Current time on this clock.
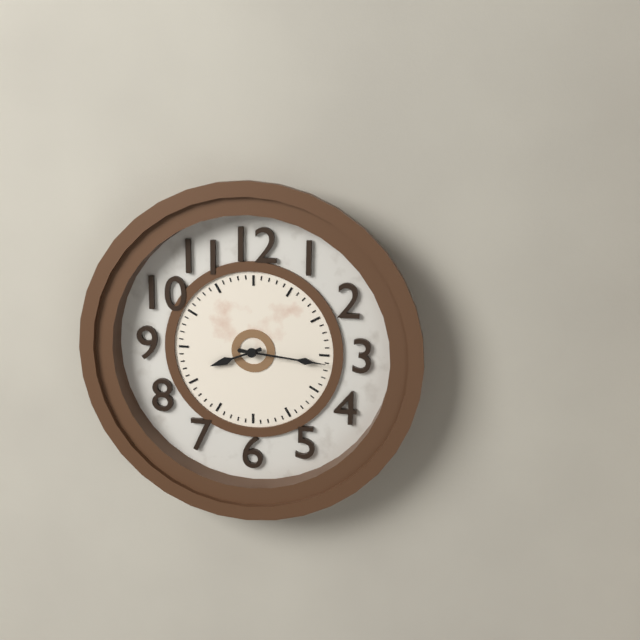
8:16
